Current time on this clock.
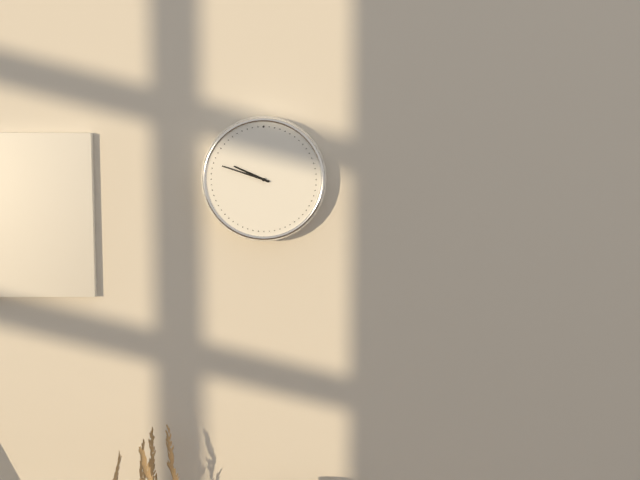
9:48
